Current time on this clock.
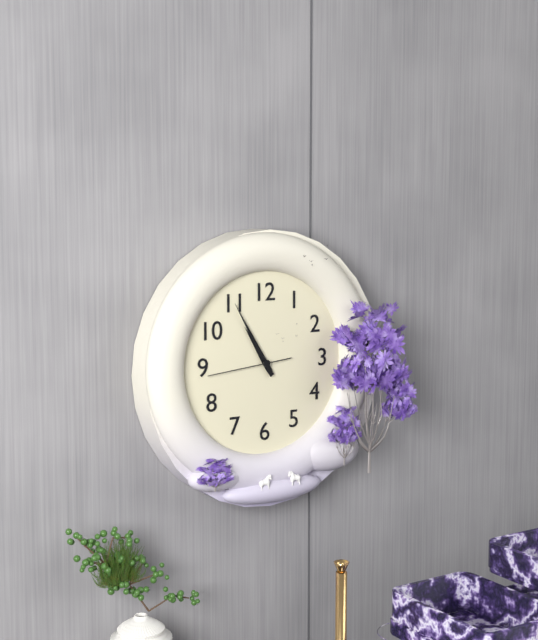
10:55:44
